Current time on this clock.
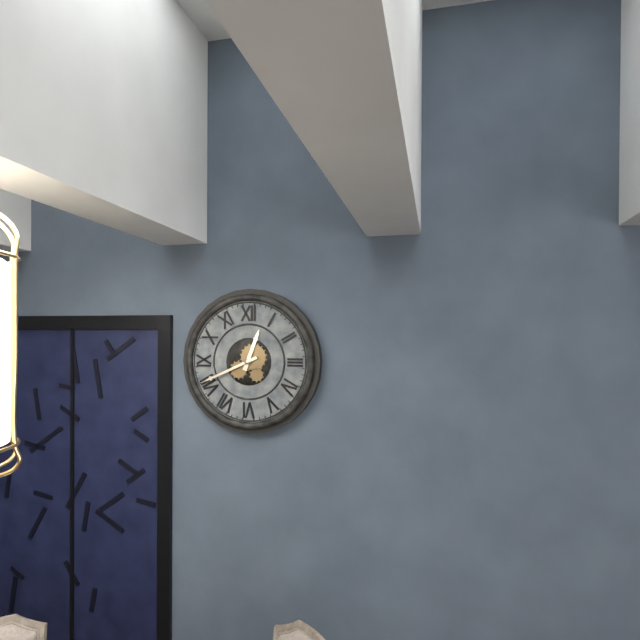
12:41
